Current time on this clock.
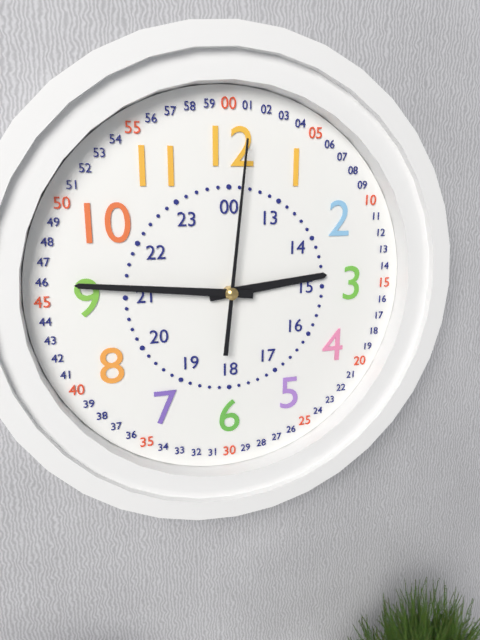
2:46:01
